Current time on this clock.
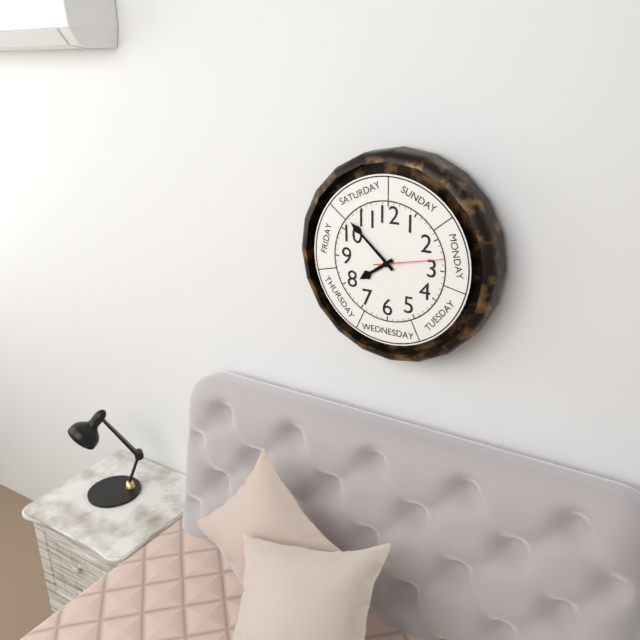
7:52:13
